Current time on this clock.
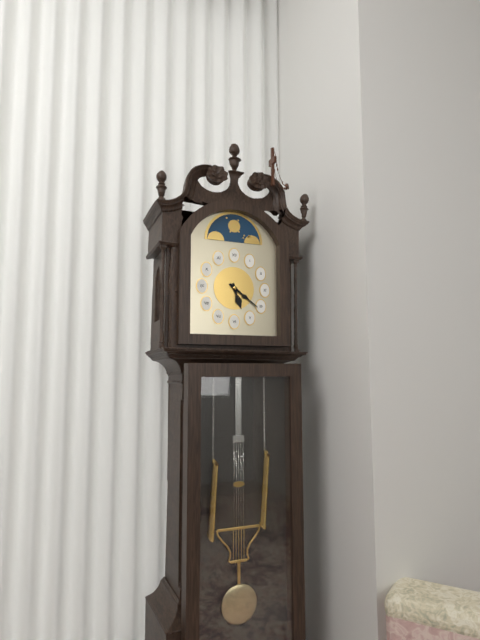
5:21
